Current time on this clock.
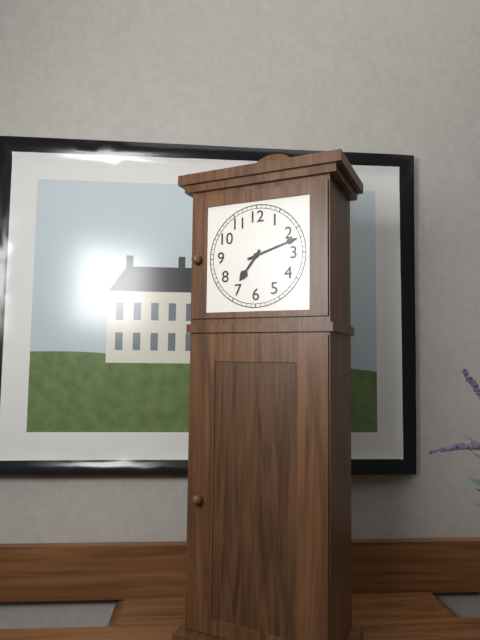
7:12
